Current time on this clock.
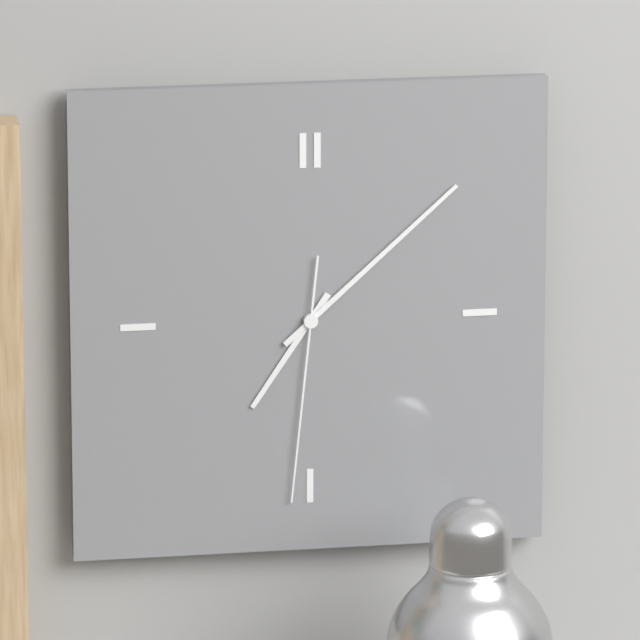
7:08:31
